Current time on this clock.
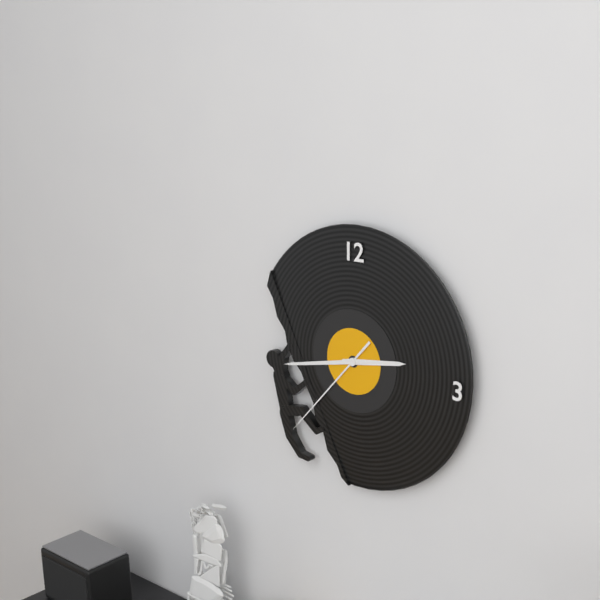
2:43:37
